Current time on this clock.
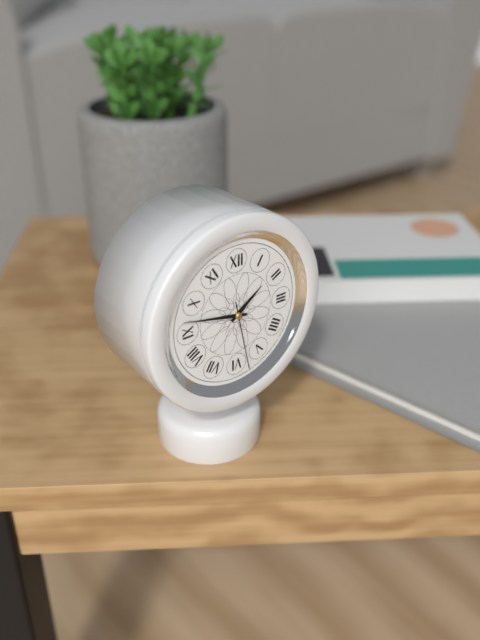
1:47:28
